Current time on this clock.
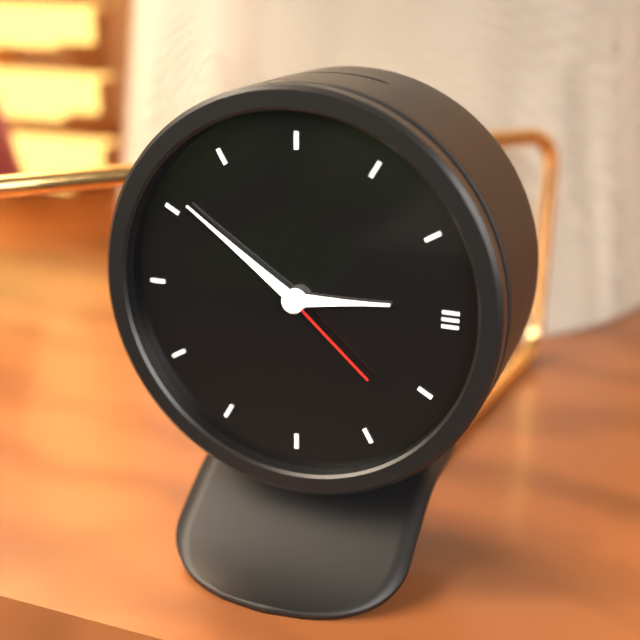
2:51:22
